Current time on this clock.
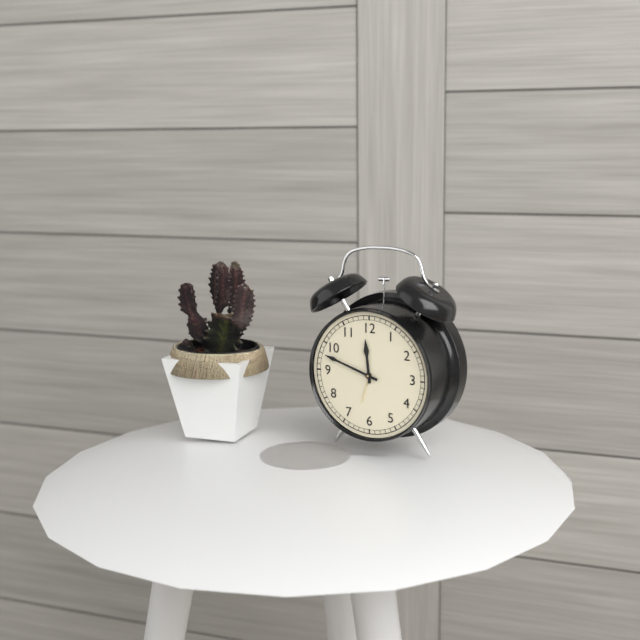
11:48
